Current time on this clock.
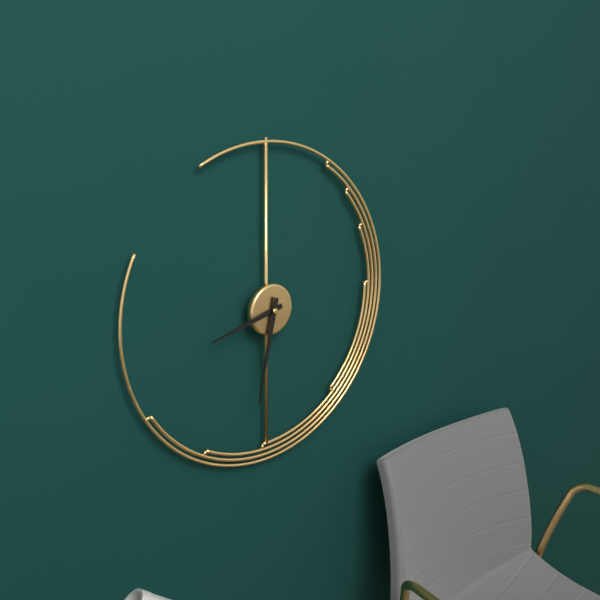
8:32
